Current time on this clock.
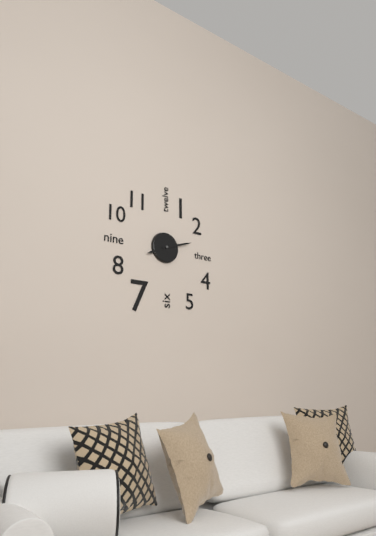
8:12
